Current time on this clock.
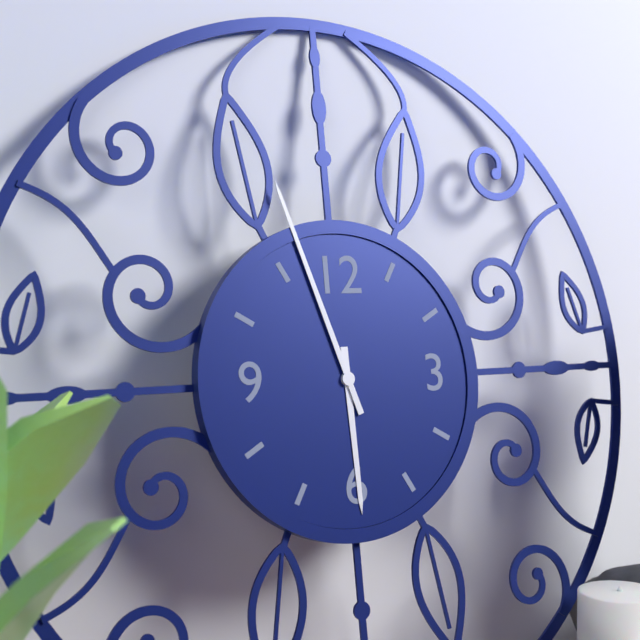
5:57
